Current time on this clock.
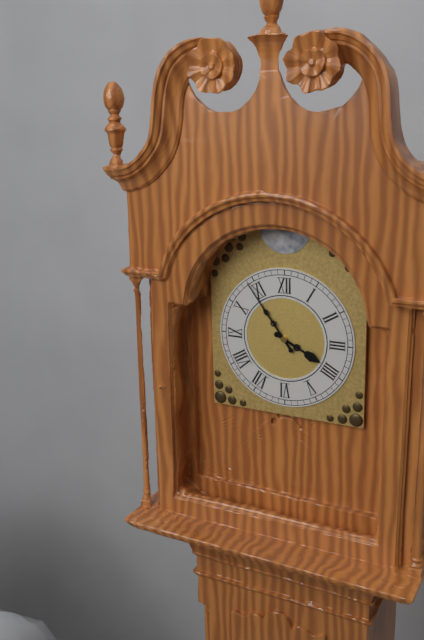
3:54
